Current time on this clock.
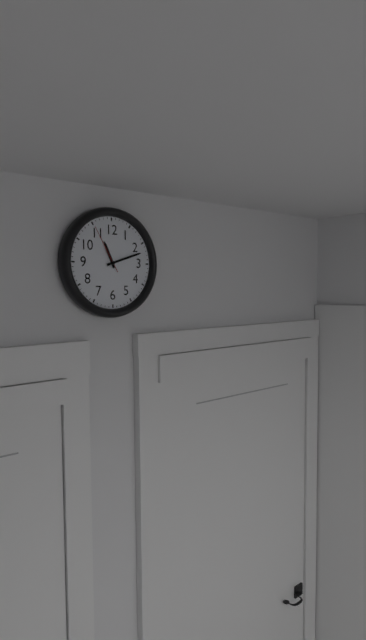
11:12:55
